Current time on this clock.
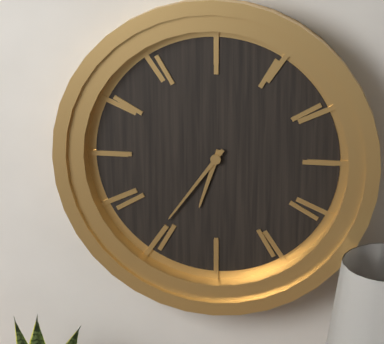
6:36
